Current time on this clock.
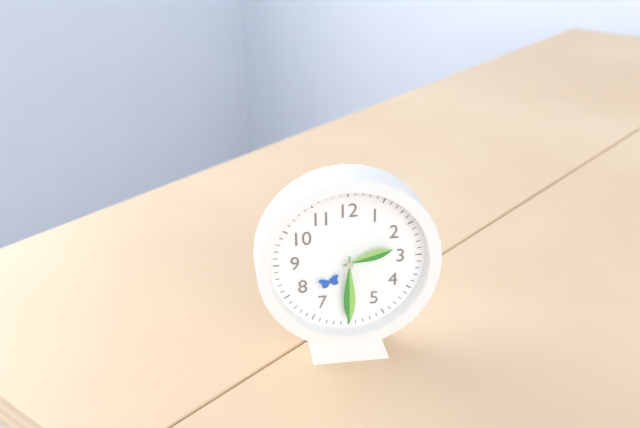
2:30
